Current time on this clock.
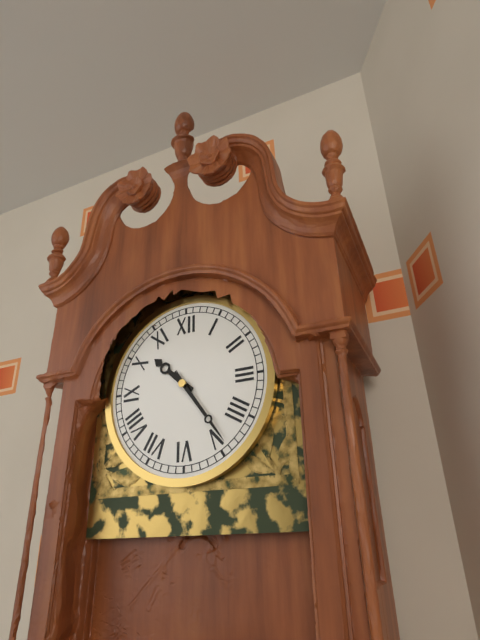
10:24
